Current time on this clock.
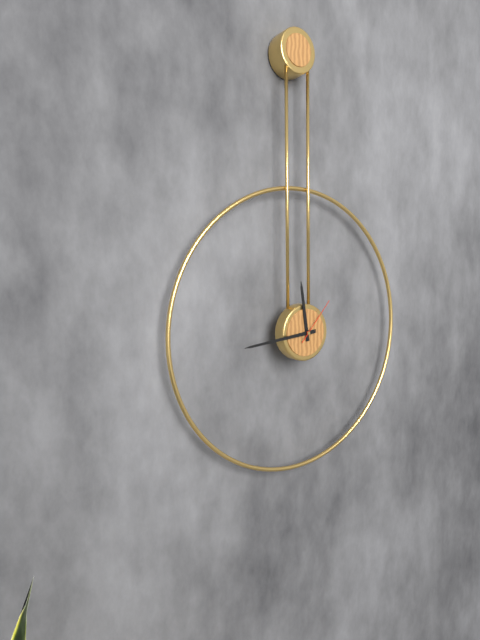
11:44
